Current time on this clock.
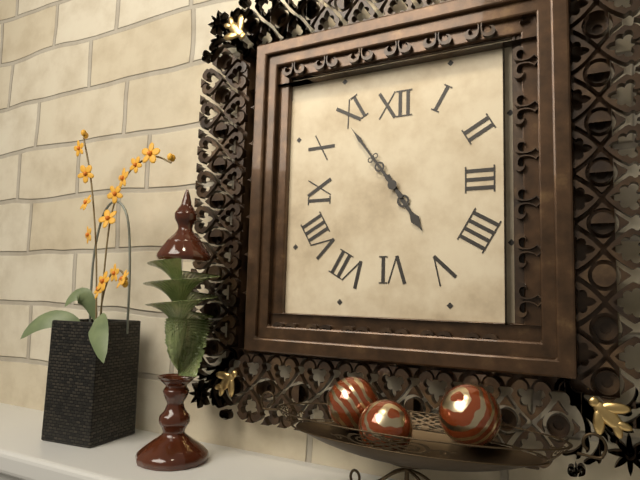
4:54
